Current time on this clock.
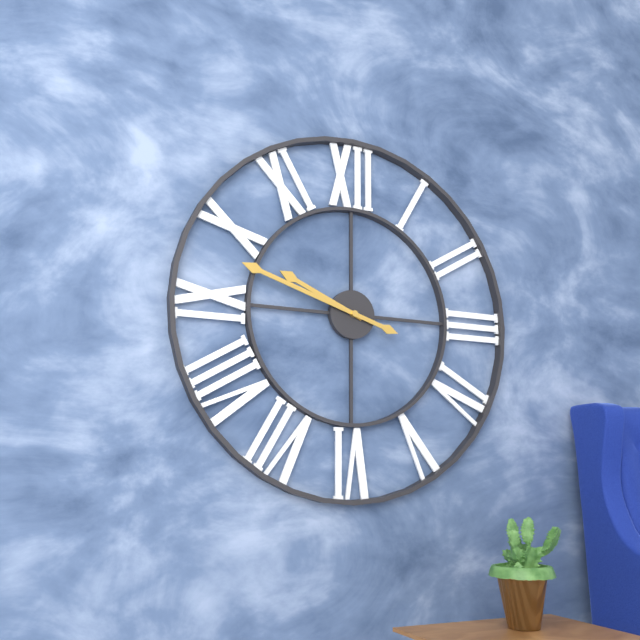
9:48
